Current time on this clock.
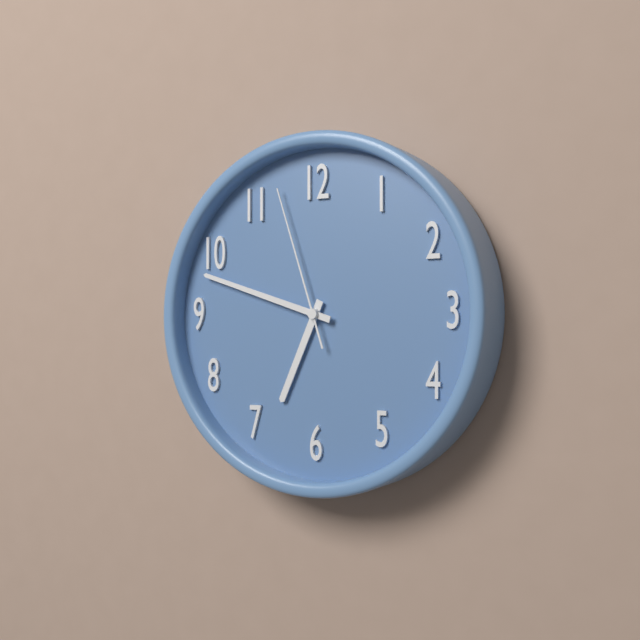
6:48:57
